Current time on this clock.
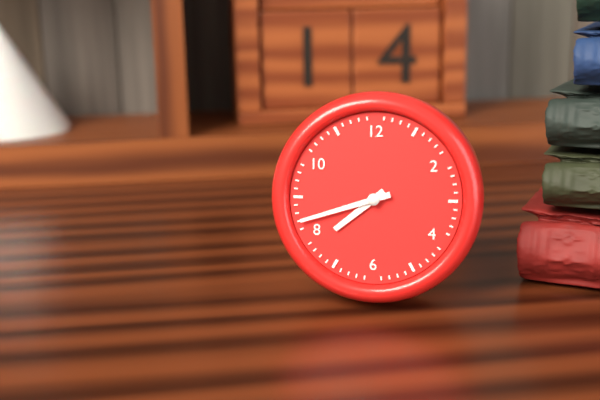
7:42
